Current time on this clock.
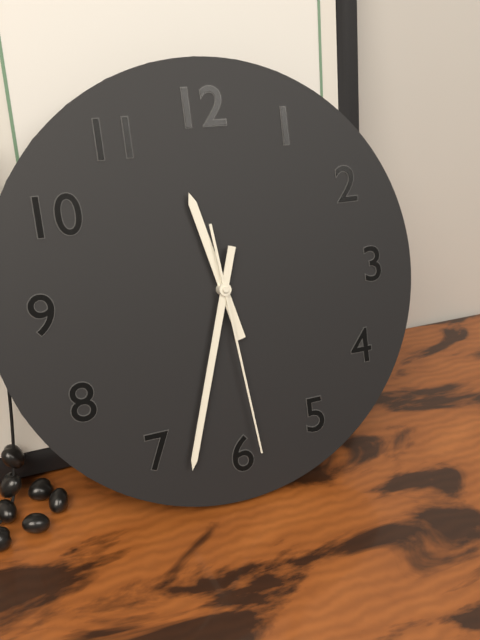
11:33:29
